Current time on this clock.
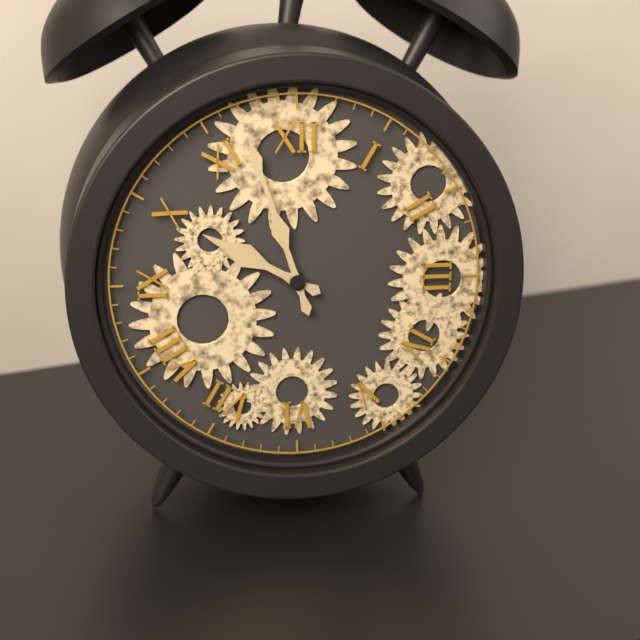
9:57
